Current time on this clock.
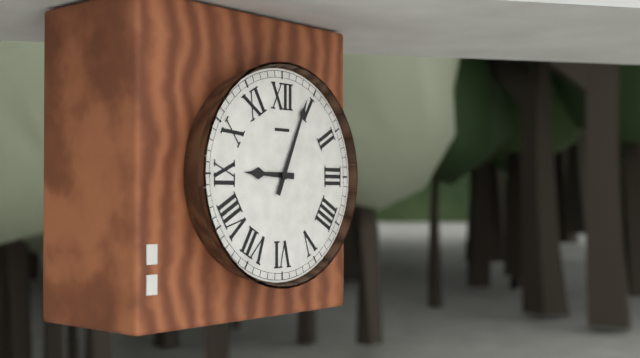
9:04
